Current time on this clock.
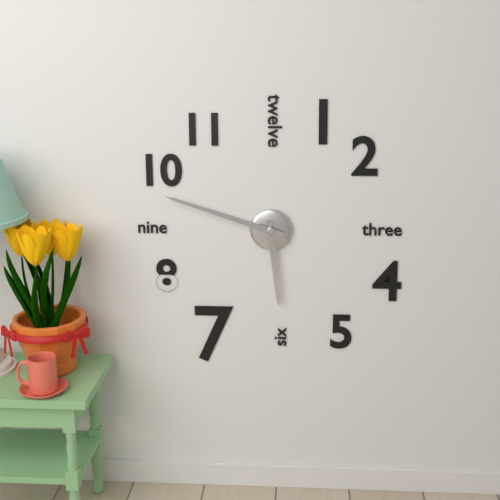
5:48
